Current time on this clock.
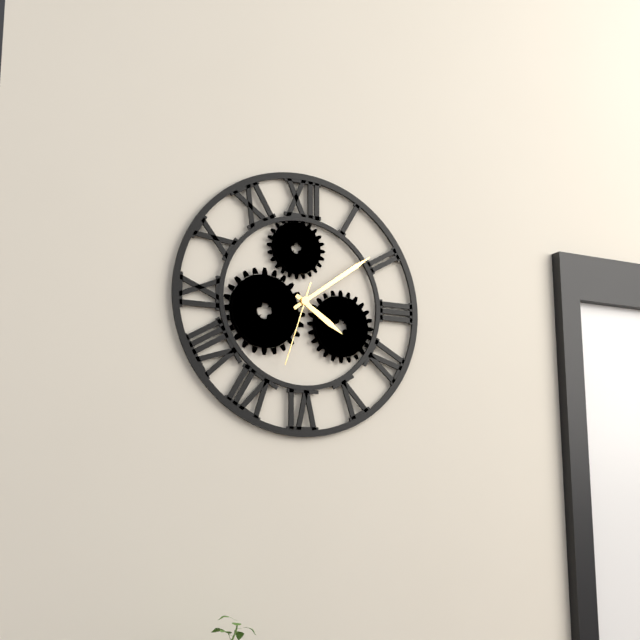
4:09:33
